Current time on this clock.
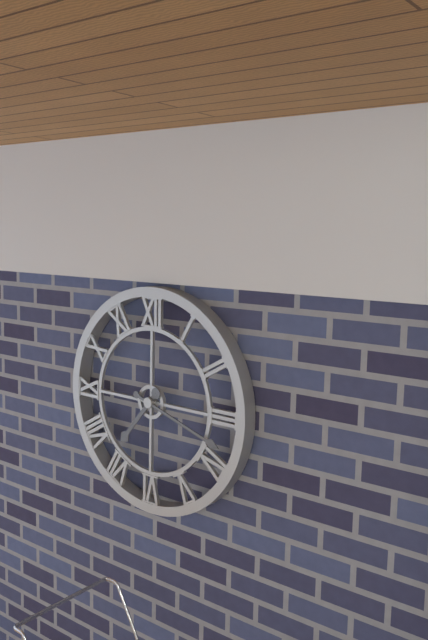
7:18
